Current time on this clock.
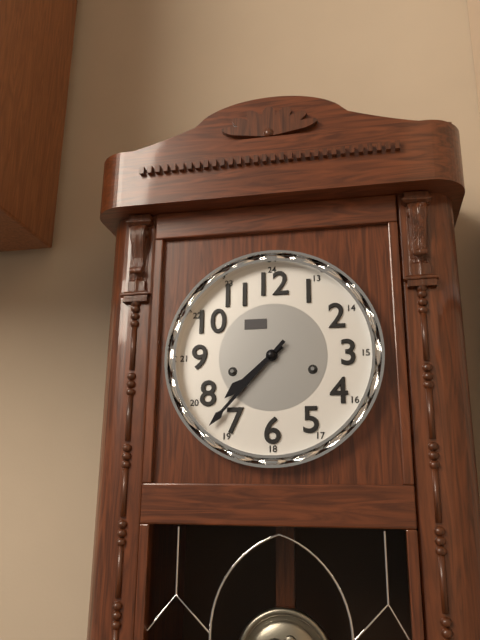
7:37
